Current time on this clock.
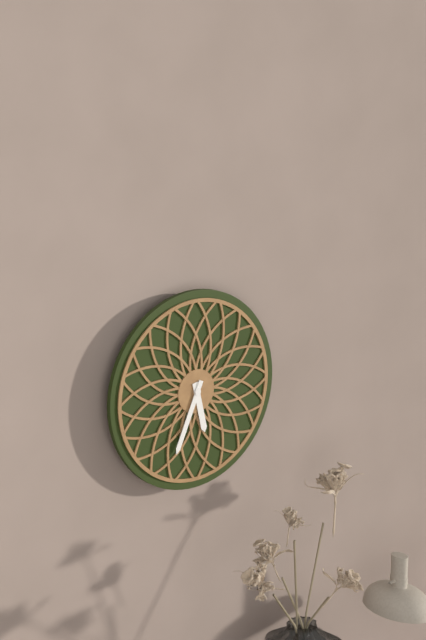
5:34
